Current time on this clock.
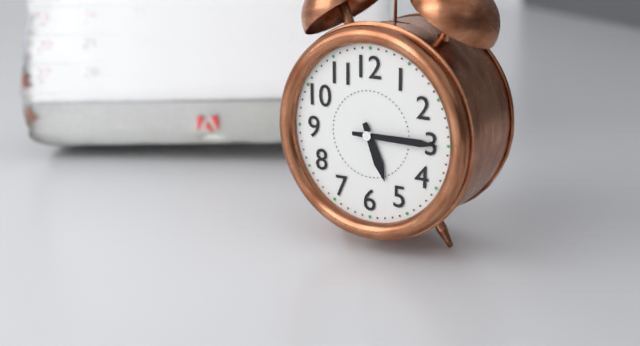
5:15
